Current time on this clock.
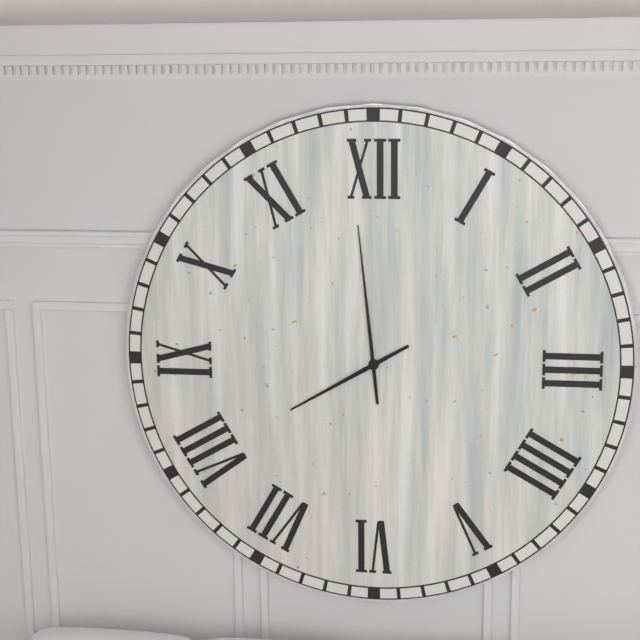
7:59
